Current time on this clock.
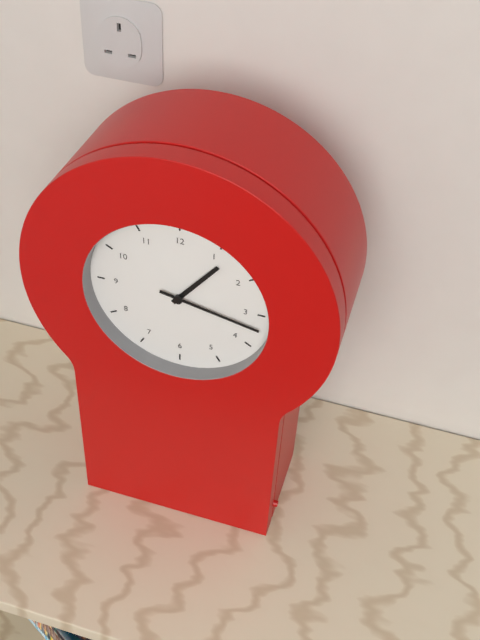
1:17
